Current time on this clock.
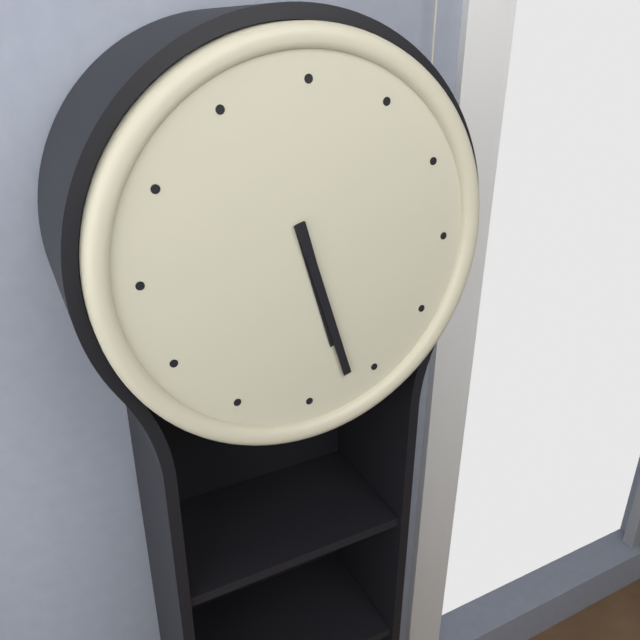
5:27
